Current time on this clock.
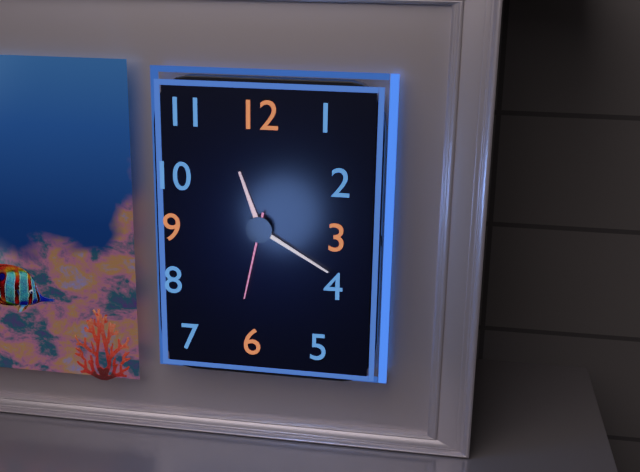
11:20:32
